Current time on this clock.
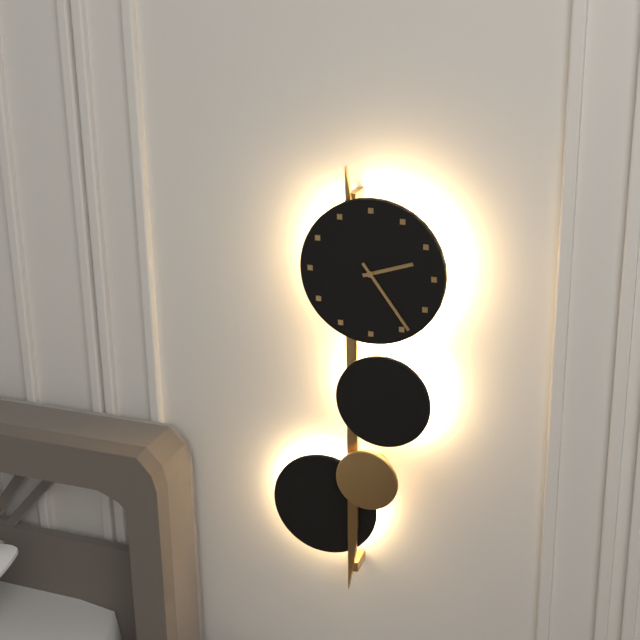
2:24
